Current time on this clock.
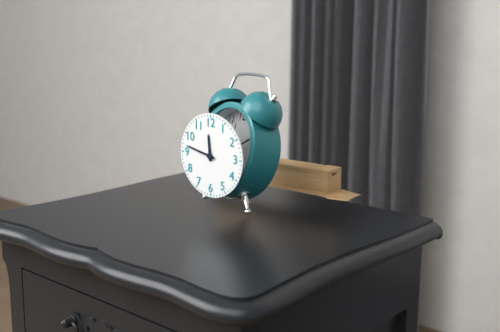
11:47
